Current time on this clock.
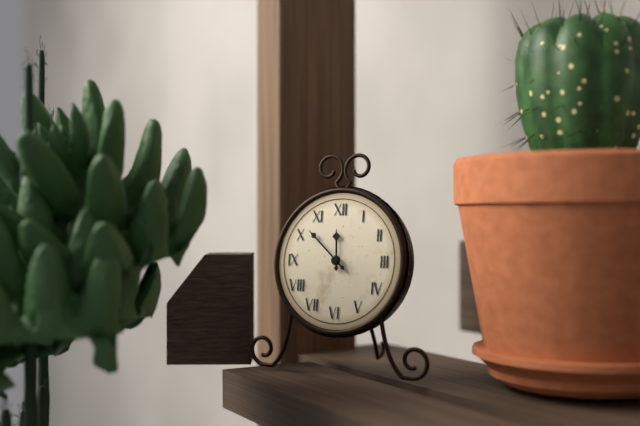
11:52
